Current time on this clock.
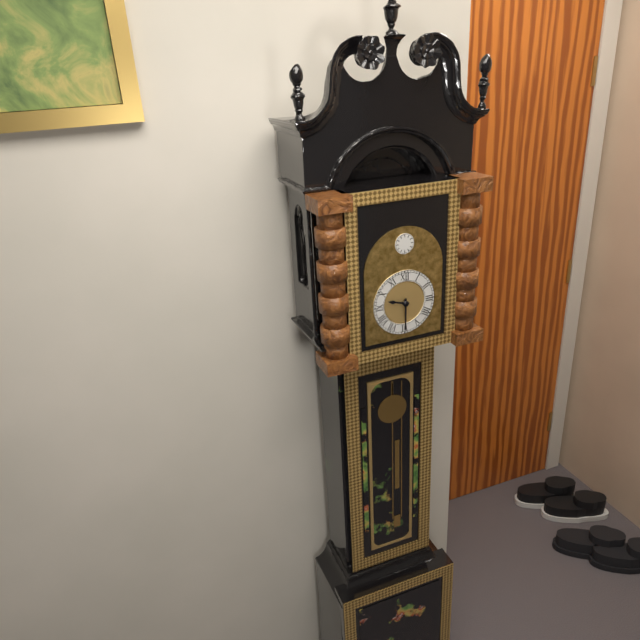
9:30
